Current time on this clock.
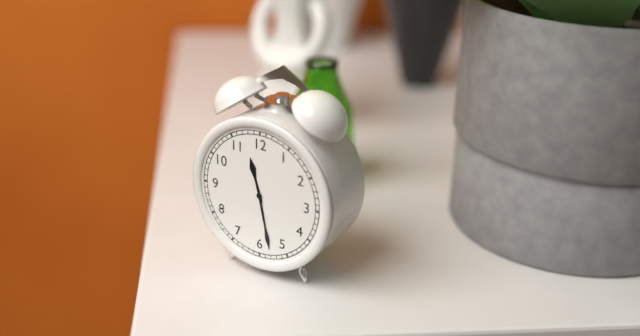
11:28
